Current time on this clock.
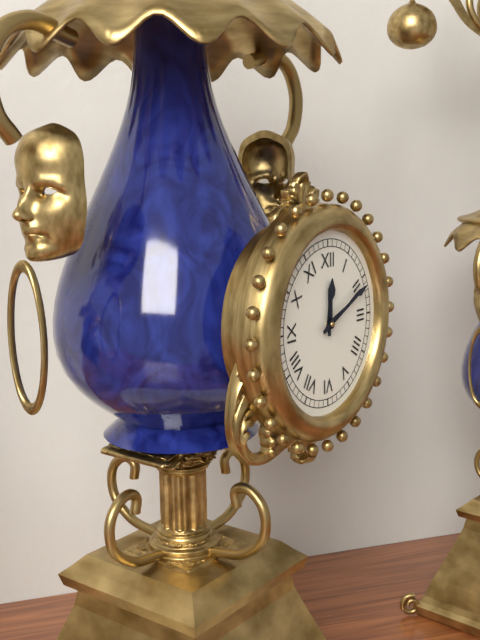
12:11
